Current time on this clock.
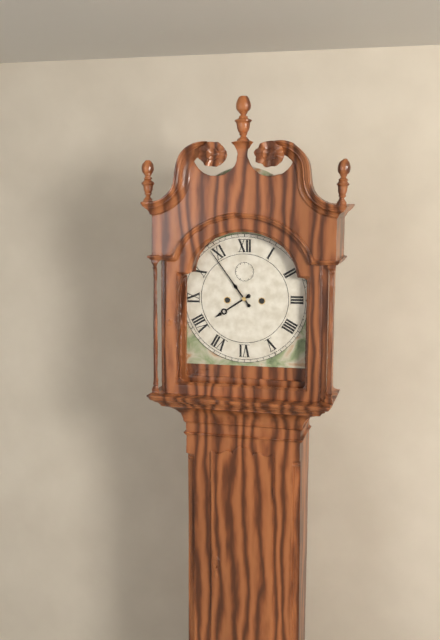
7:54
